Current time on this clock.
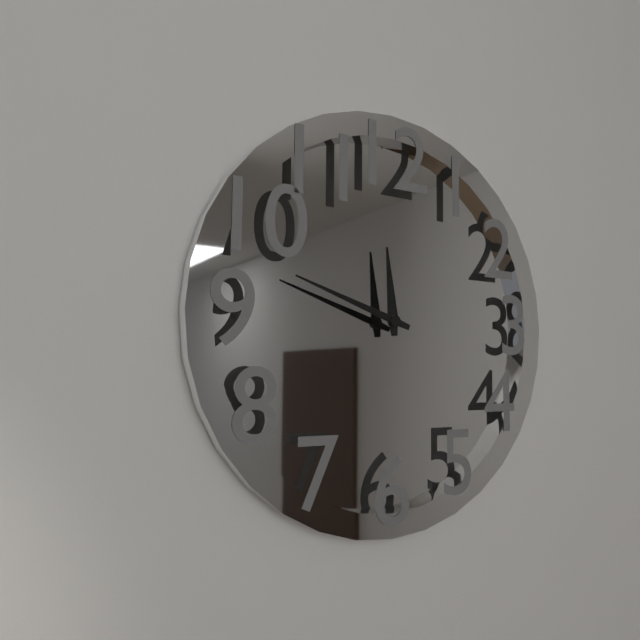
11:48
